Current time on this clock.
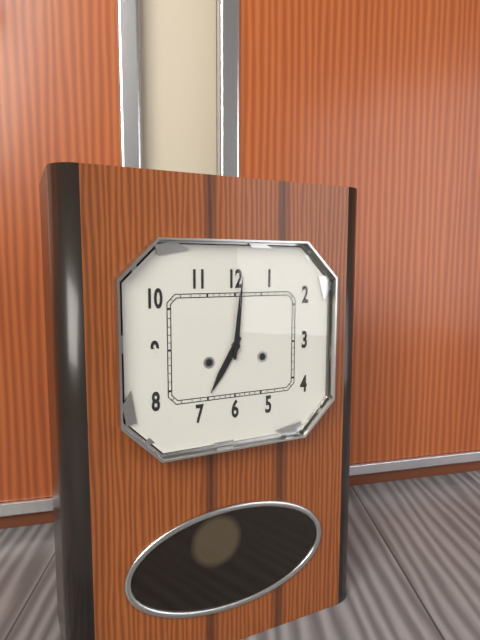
7:01
